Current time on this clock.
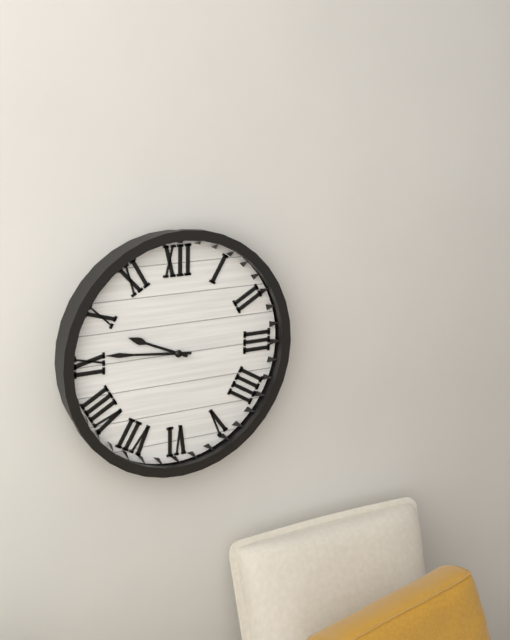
9:46
